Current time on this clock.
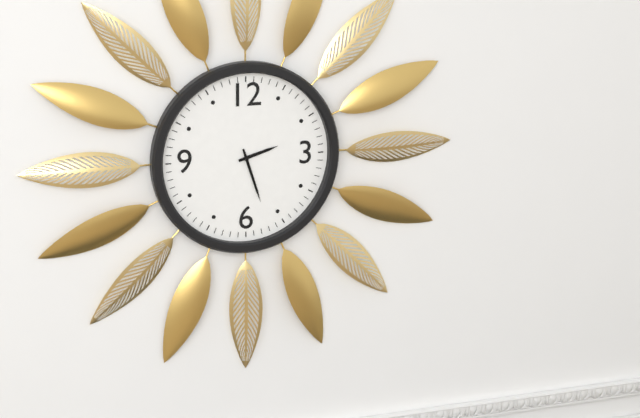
2:27
